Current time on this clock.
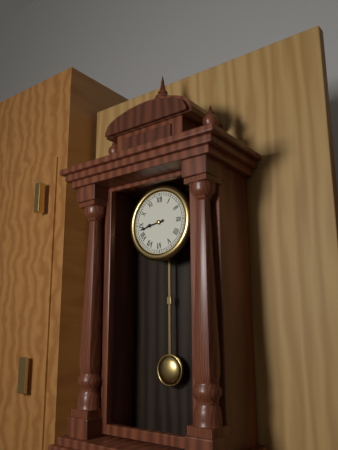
8:43
